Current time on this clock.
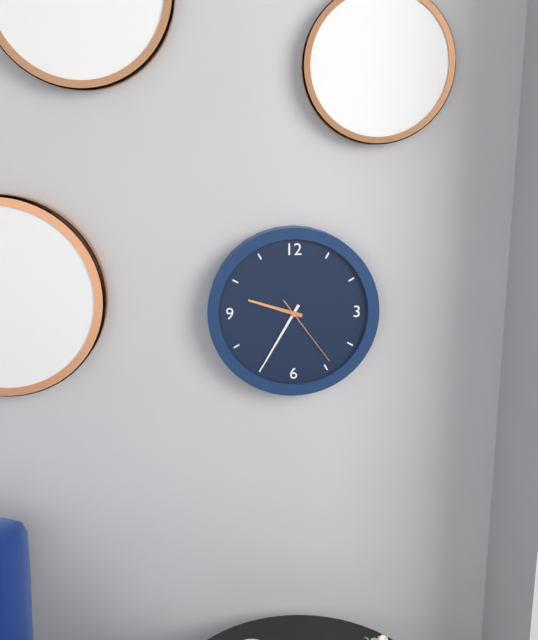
9:35:24
